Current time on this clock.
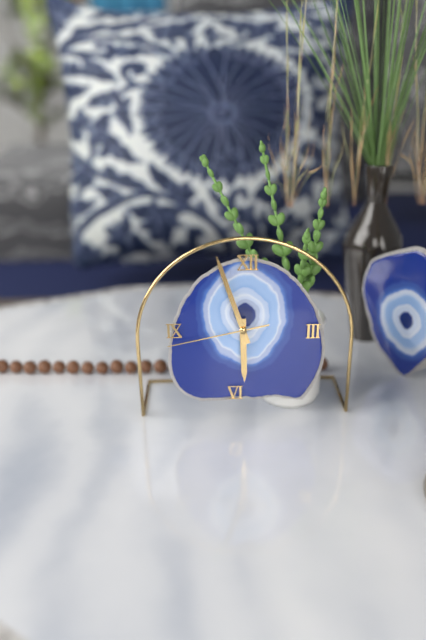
5:57:43
